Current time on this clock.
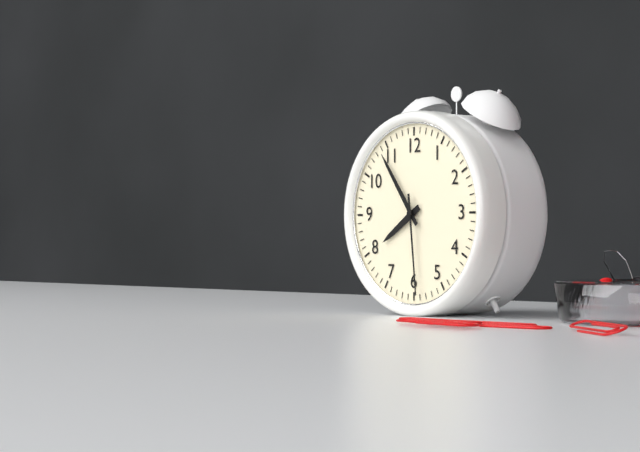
7:54:29
